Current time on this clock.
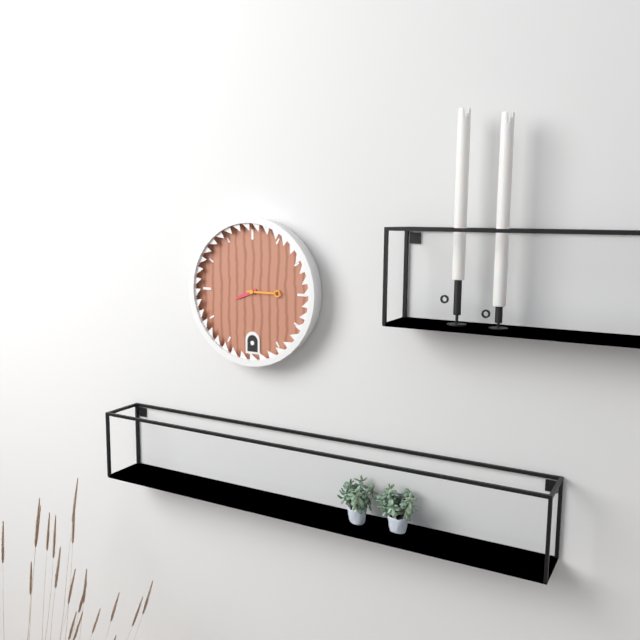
8:15
